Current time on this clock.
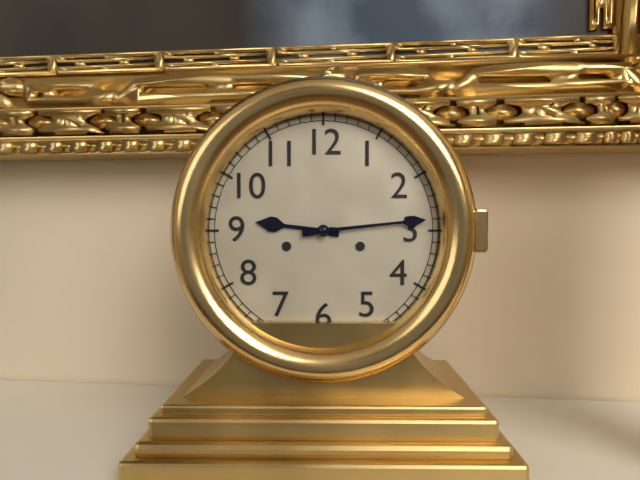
9:14
